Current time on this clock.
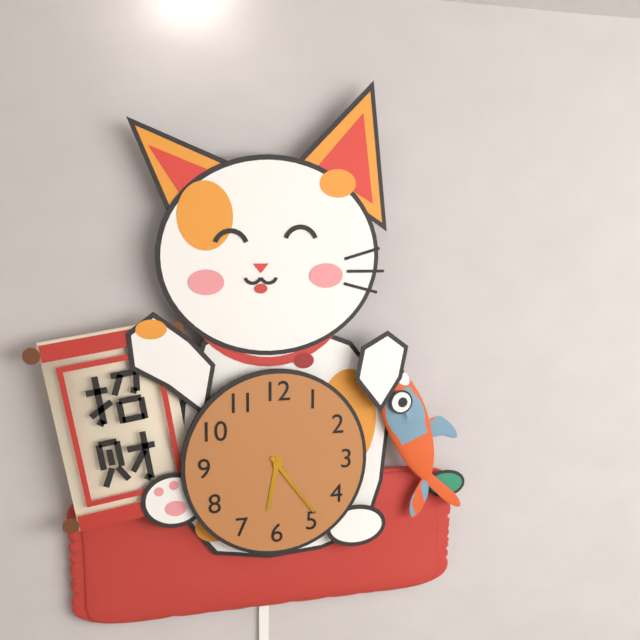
6:24
